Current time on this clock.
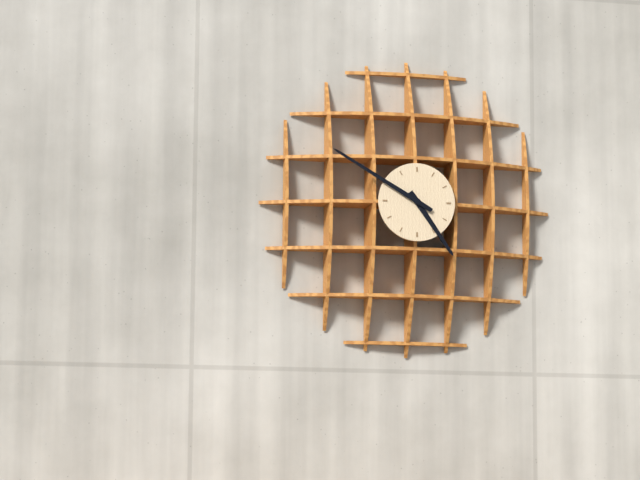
4:50
